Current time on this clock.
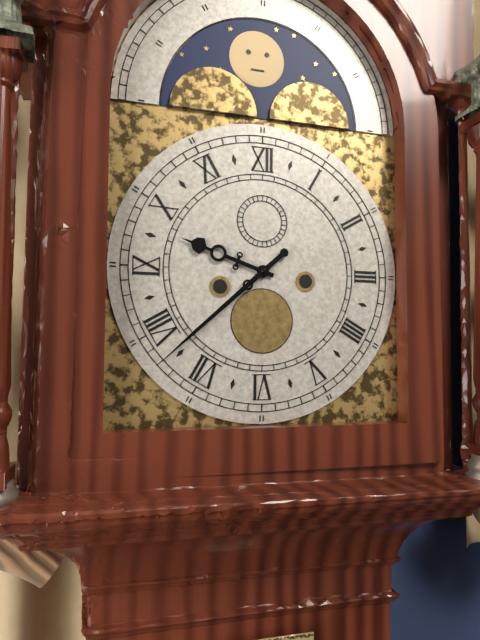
9:38
